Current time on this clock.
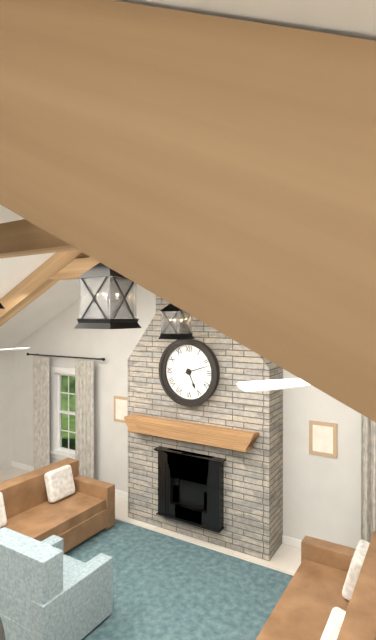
5:12
